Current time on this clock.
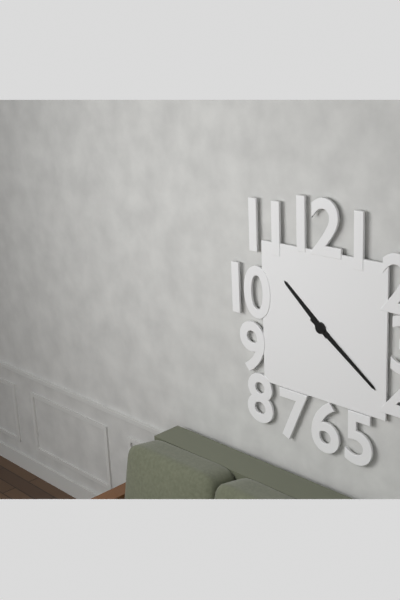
10:21
